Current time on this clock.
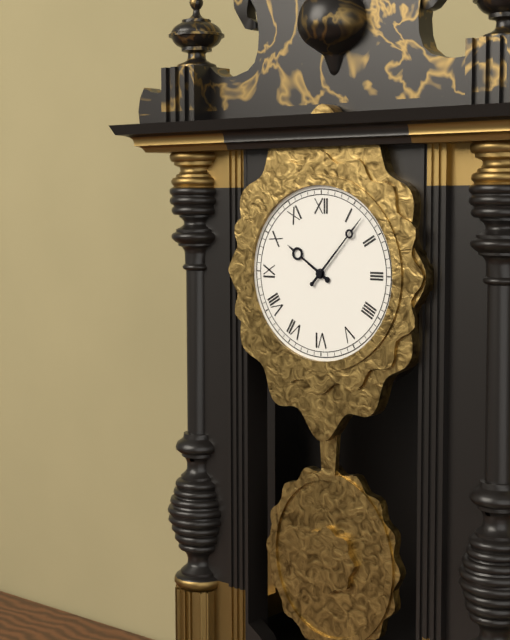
10:07
